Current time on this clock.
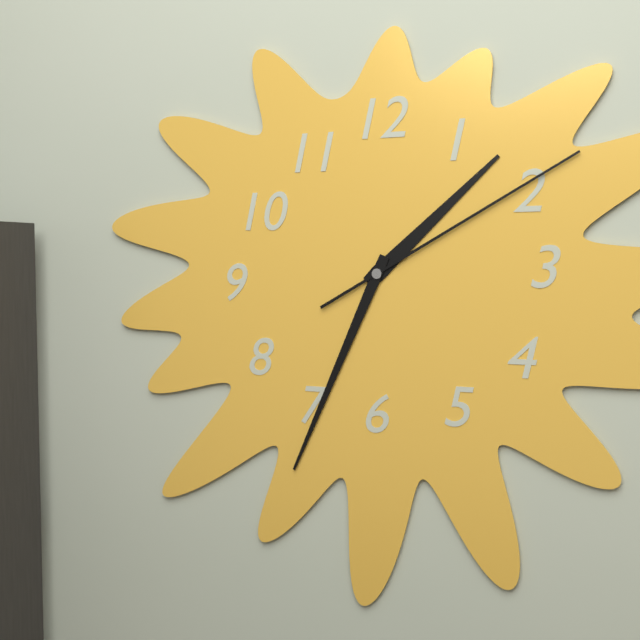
1:34:10
